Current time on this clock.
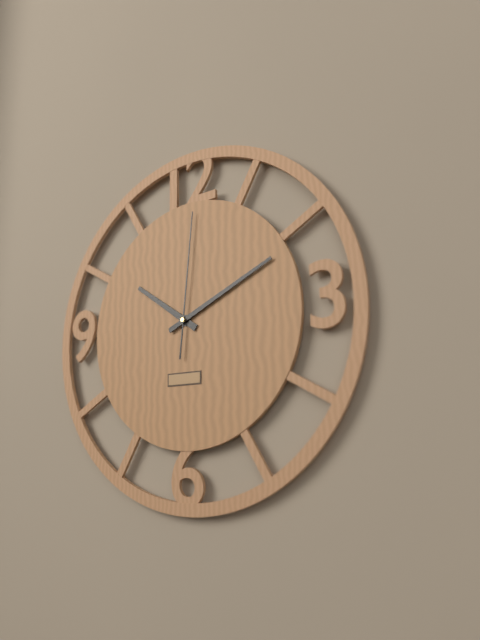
10:11:01
